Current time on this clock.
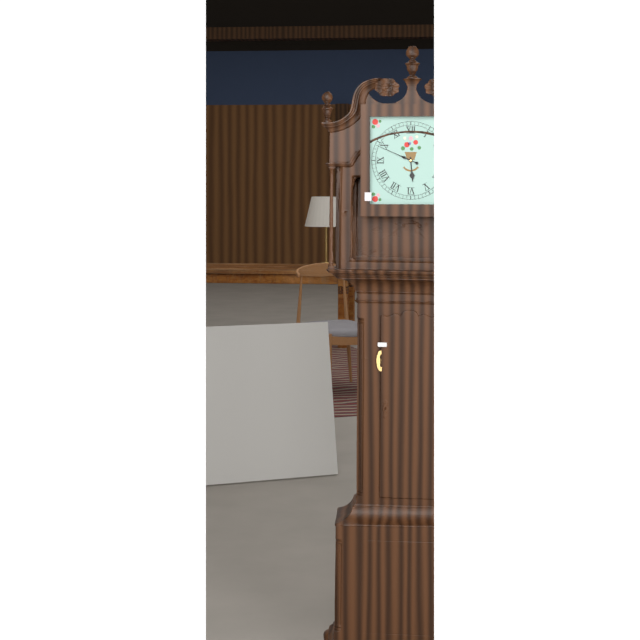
5:49
